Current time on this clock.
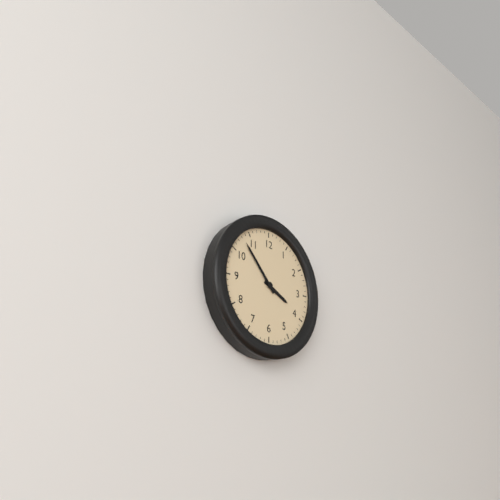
3:53
